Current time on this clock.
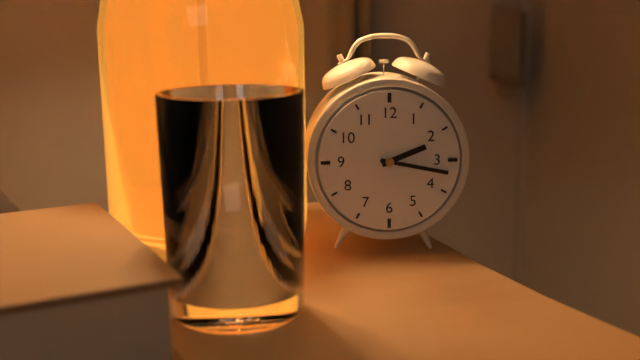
2:17
